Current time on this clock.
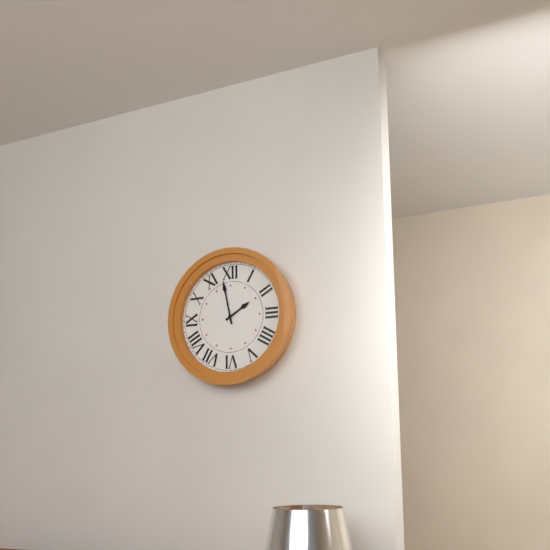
1:58
